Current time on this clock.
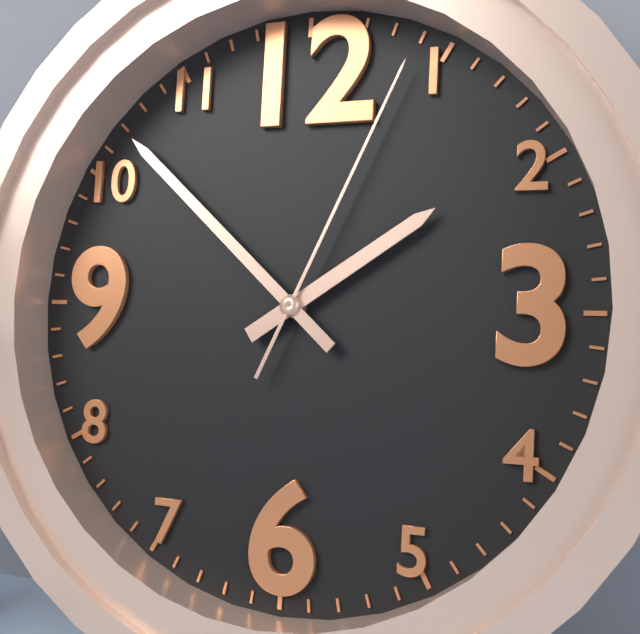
1:52:04
